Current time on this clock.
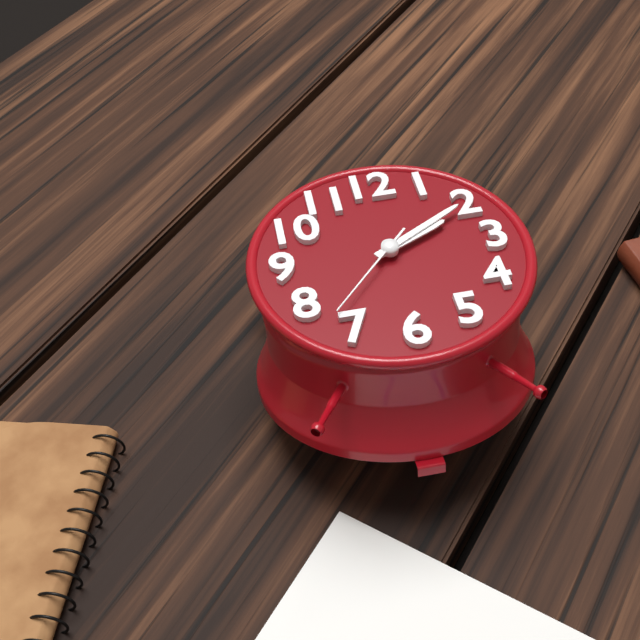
2:10:37
